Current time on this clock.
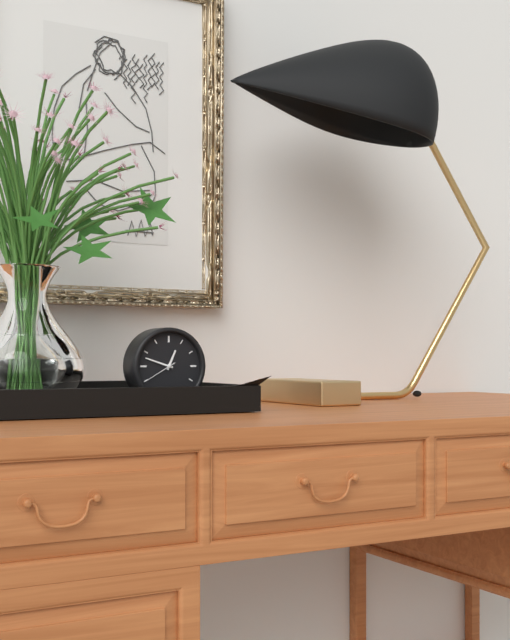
12:48
